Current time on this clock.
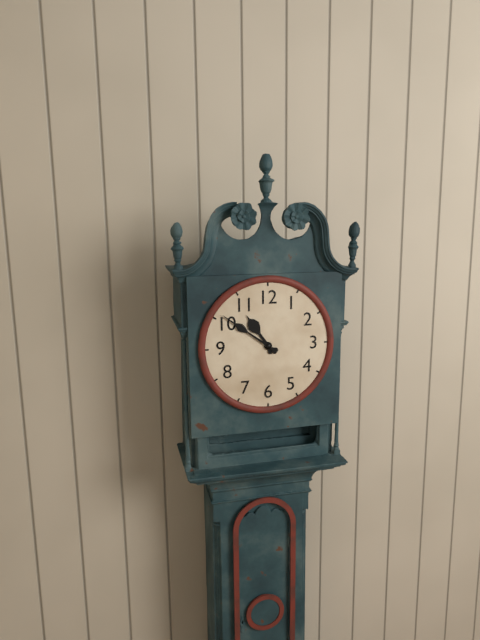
10:51
